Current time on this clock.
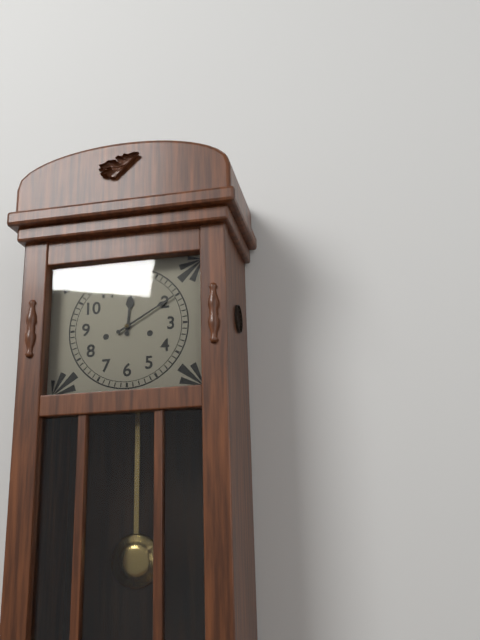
12:10
